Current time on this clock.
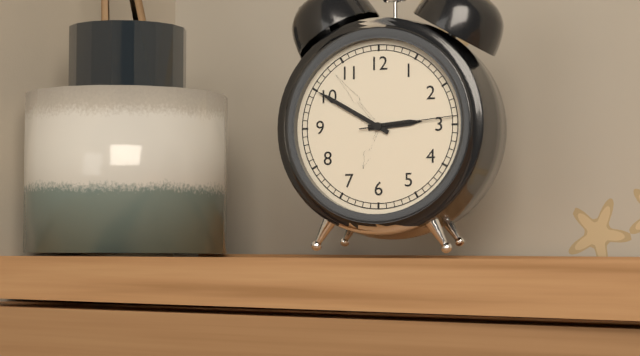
2:50:14
